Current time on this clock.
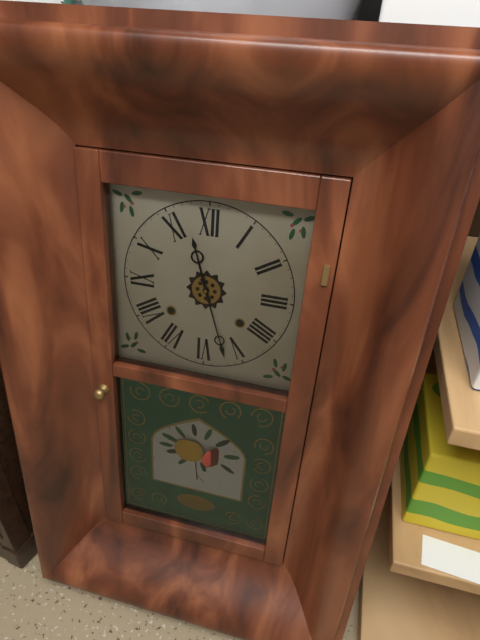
11:27
